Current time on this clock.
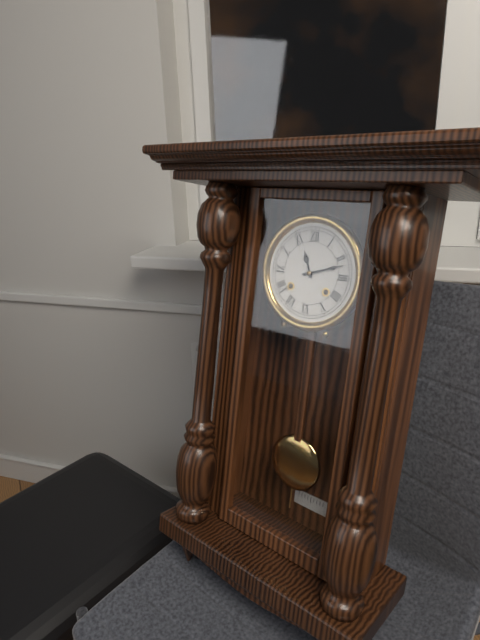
11:12
